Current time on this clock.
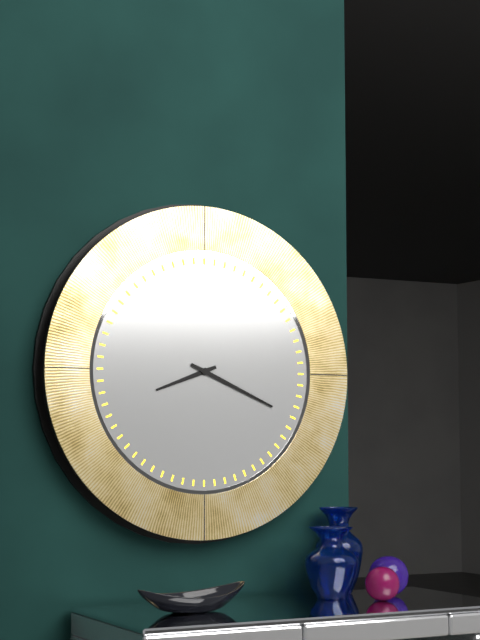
8:19
